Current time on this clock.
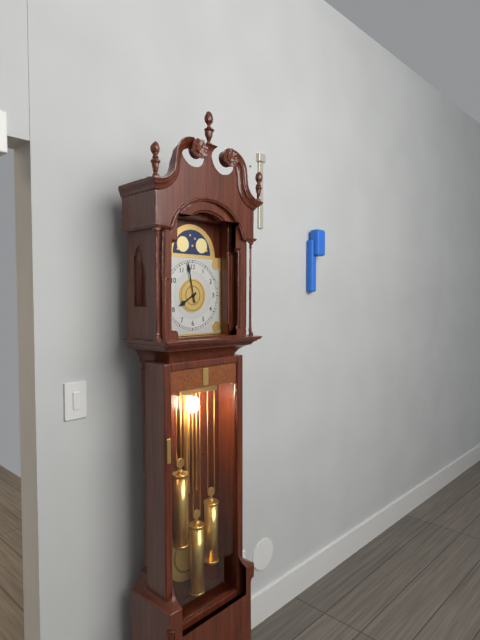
7:58
